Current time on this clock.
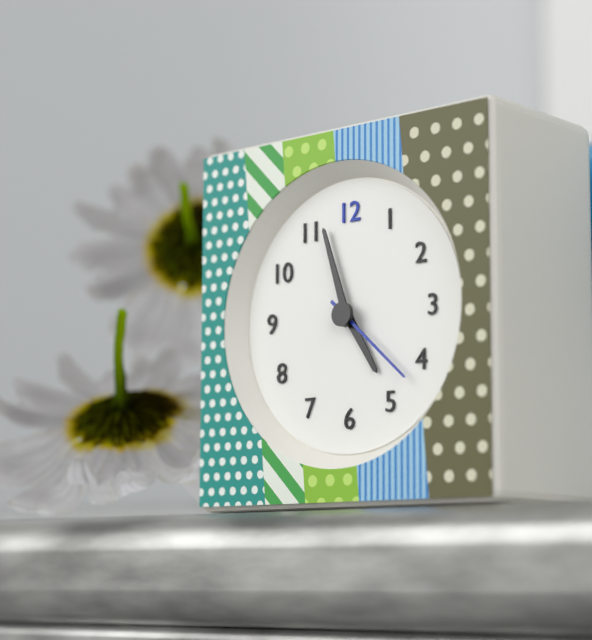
4:57:22
